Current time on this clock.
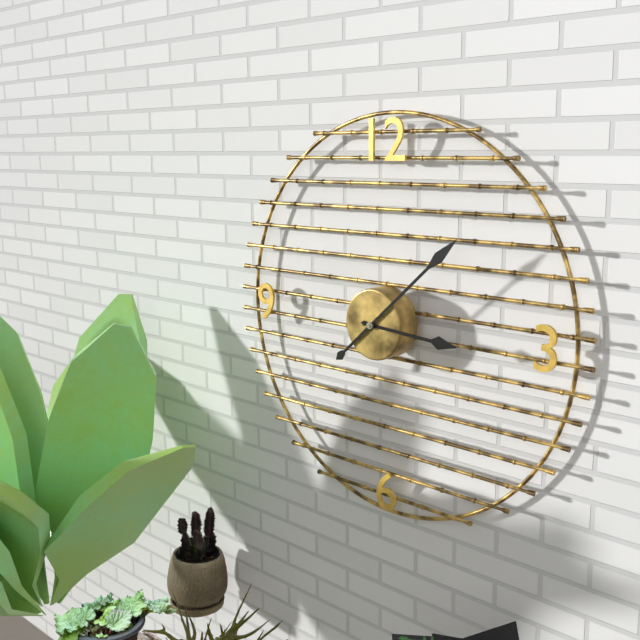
3:08
